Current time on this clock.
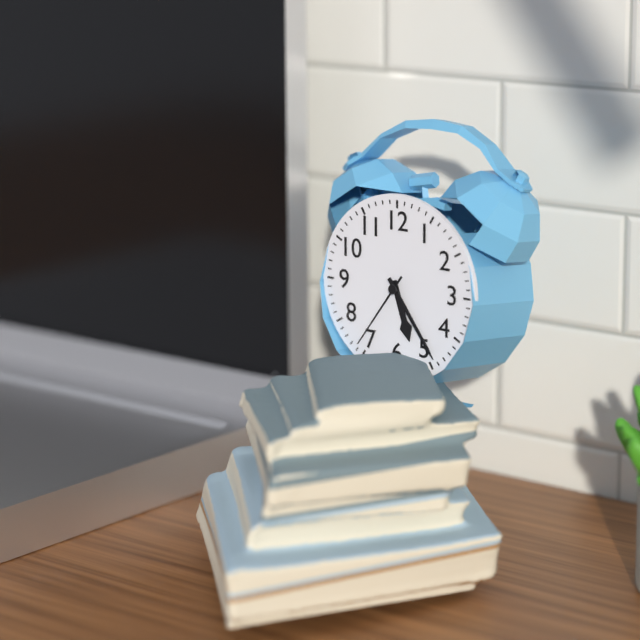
5:24:36
